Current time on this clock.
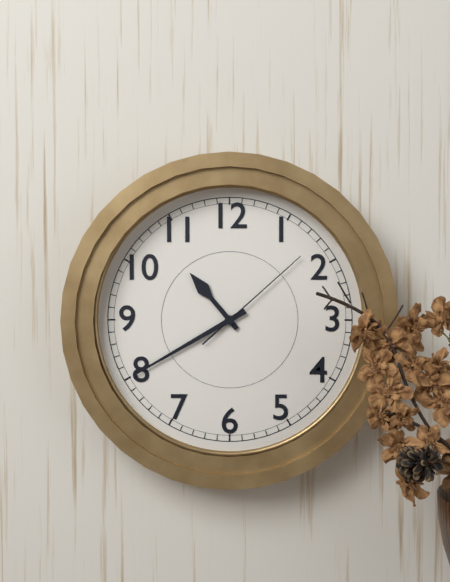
10:40:08
